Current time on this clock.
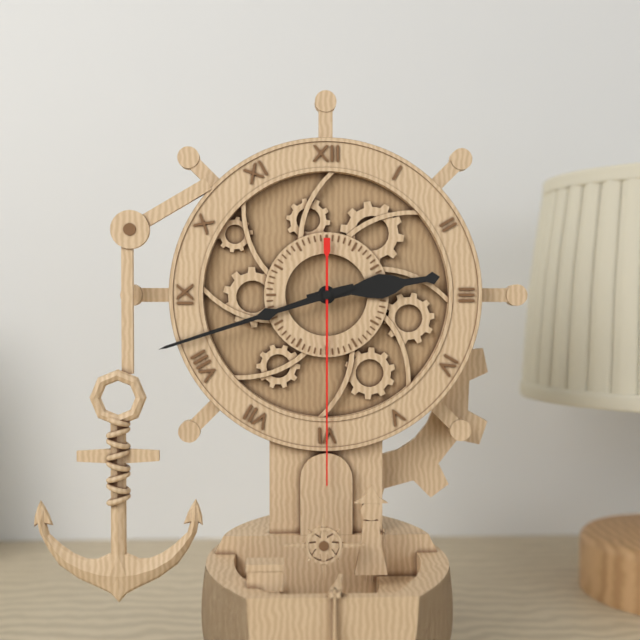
2:42:30
